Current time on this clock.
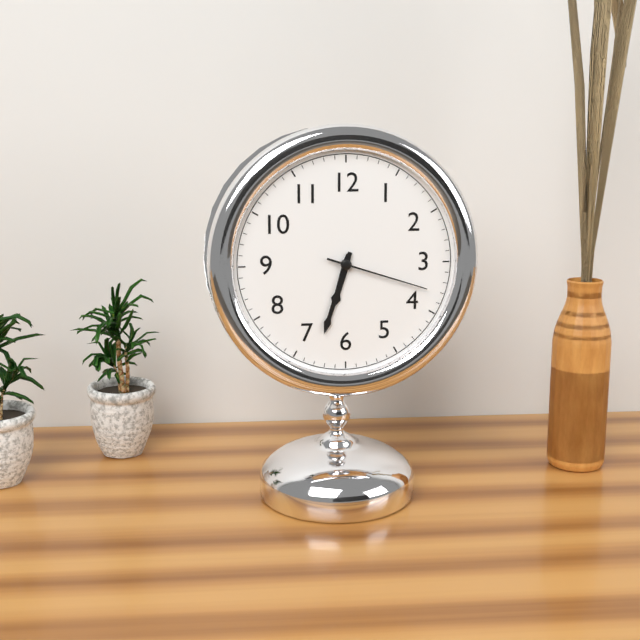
6:33:18
